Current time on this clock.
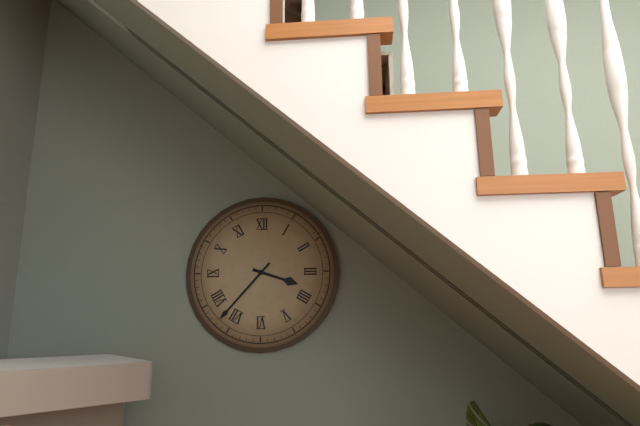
3:37
